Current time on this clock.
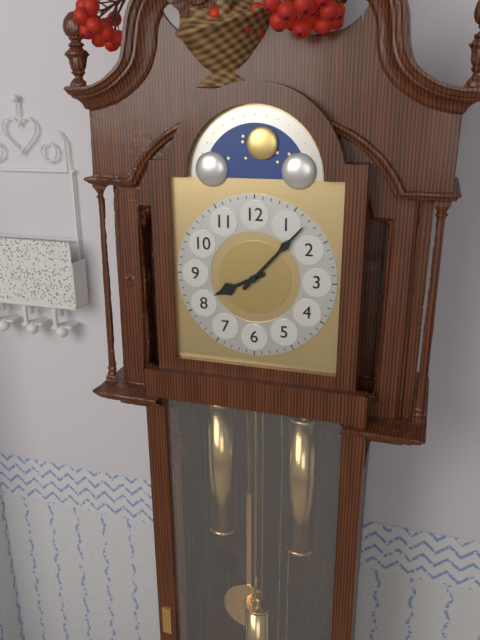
8:07
